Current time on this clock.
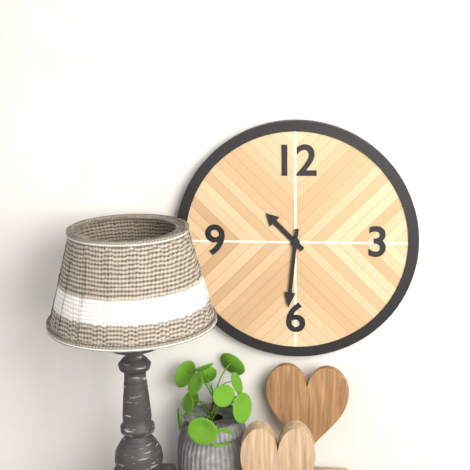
10:31
